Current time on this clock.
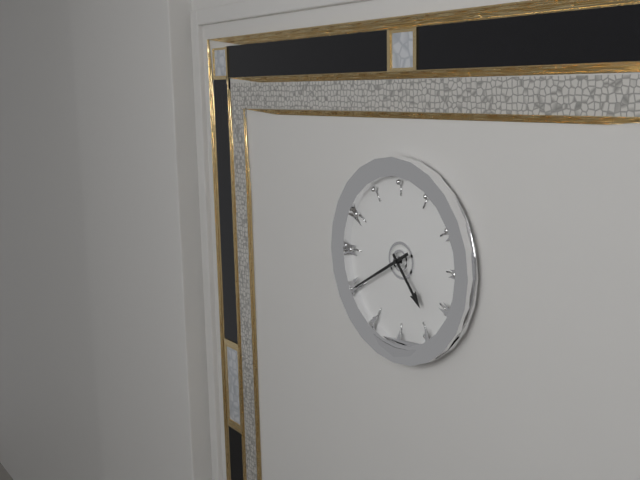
4:40
